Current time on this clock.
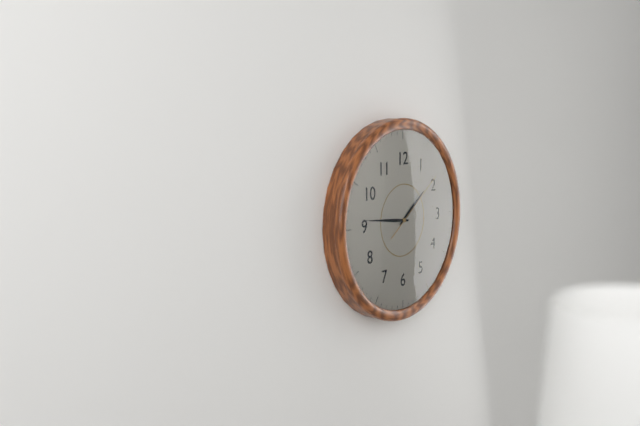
1:46:09
